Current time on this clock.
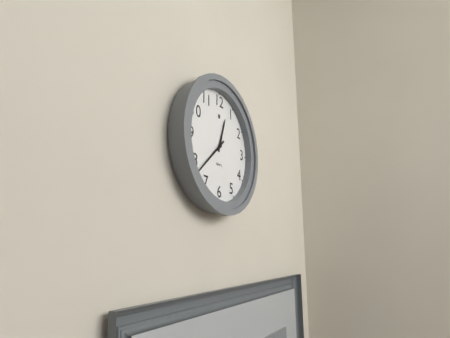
12:38
